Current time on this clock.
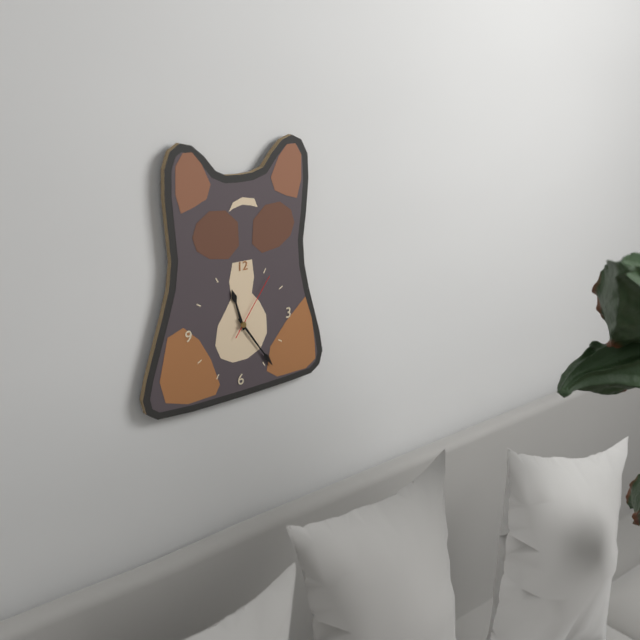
11:24:06
